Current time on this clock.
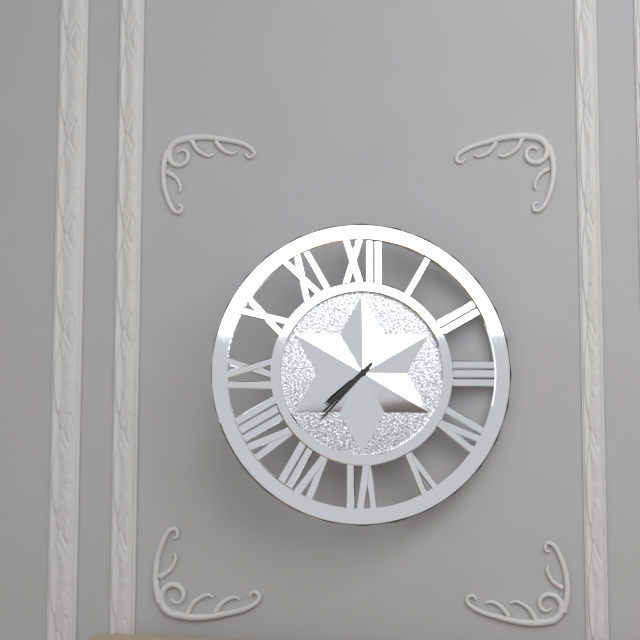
7:37
